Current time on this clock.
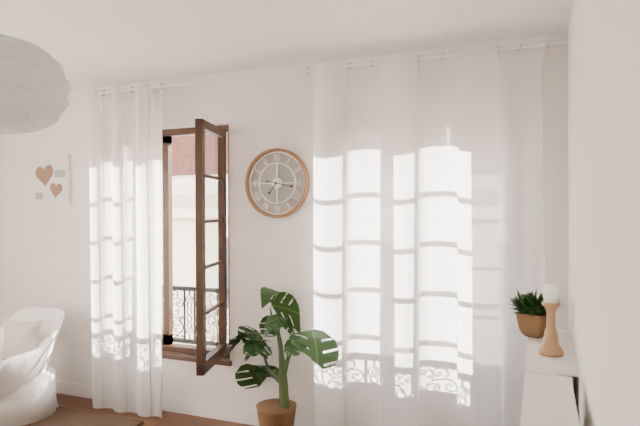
7:17
